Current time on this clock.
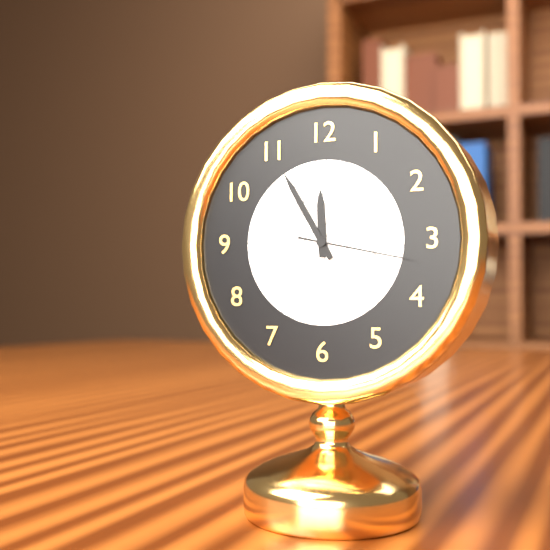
11:55:17
